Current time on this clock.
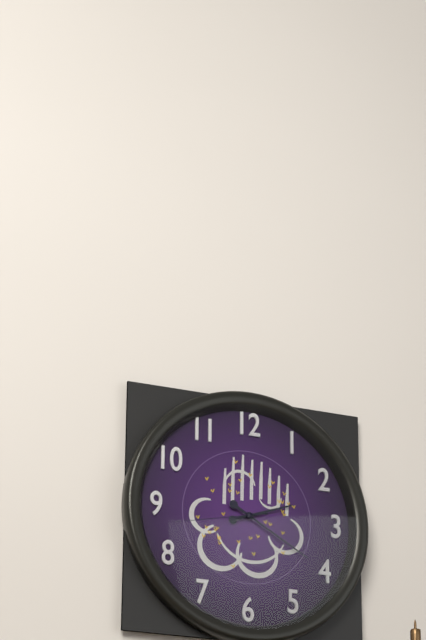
2:20:43
